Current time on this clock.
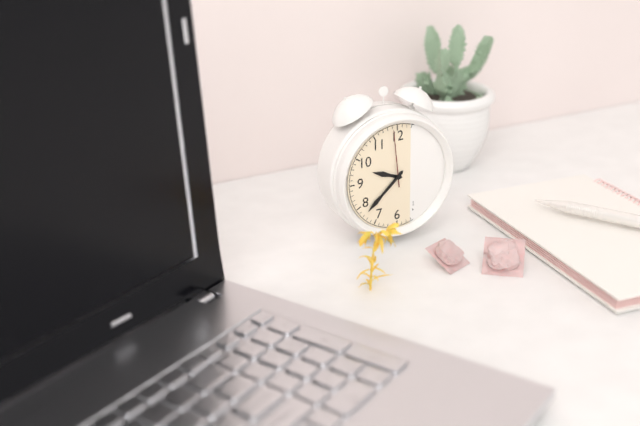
9:38:59
